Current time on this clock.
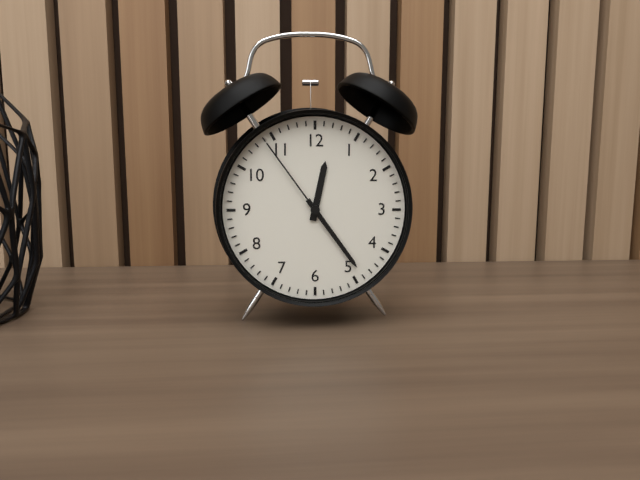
12:24:54
